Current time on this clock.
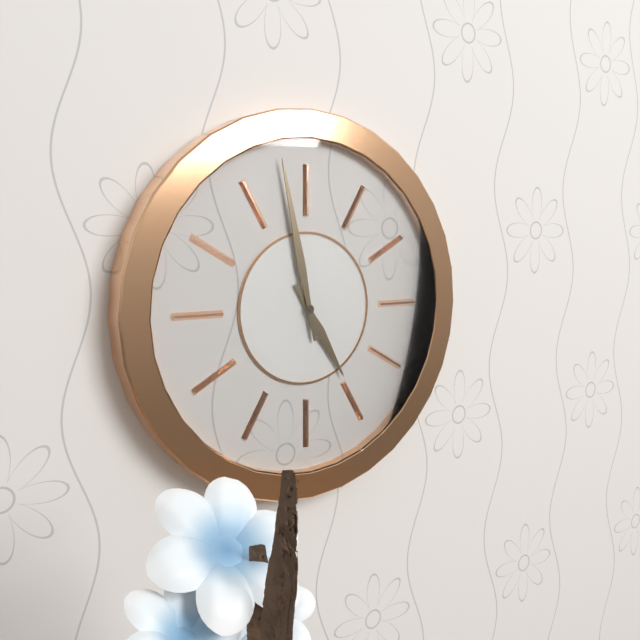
4:58
